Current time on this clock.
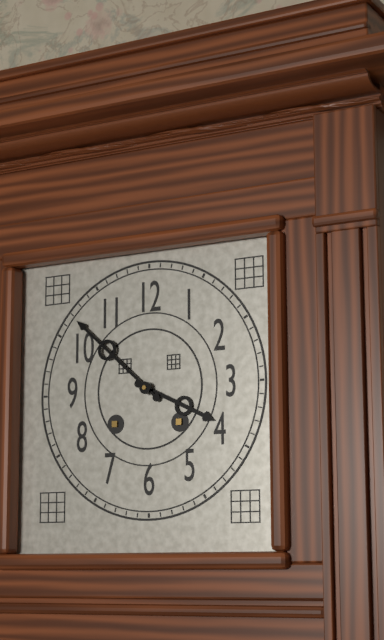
3:52
